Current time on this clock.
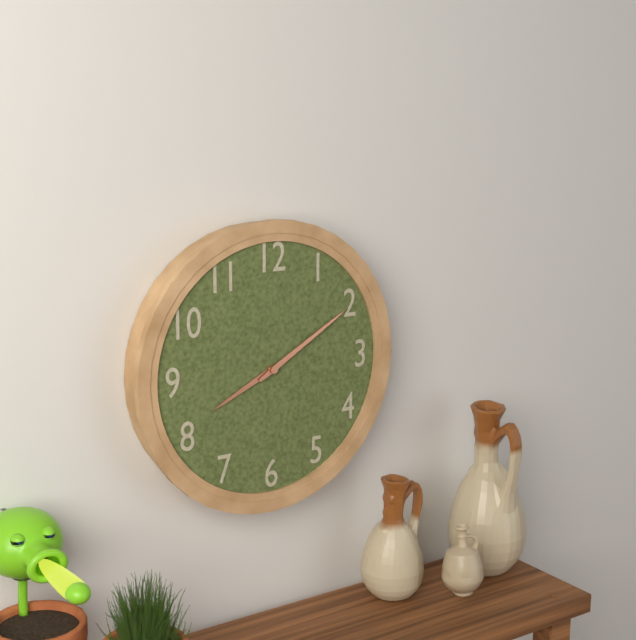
8:10
